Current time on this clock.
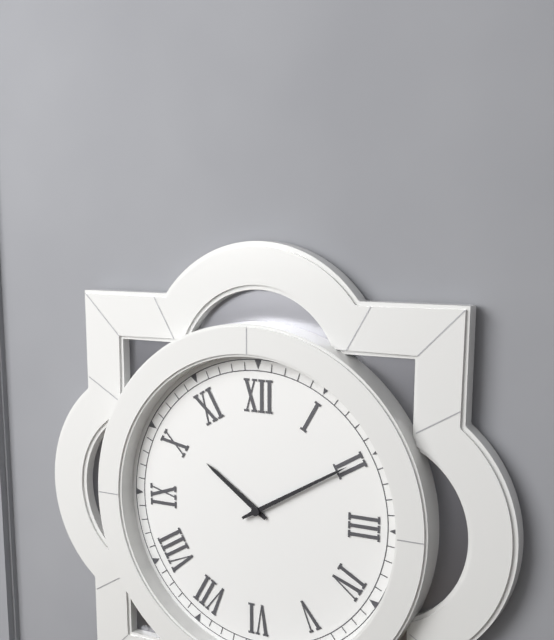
10:10
